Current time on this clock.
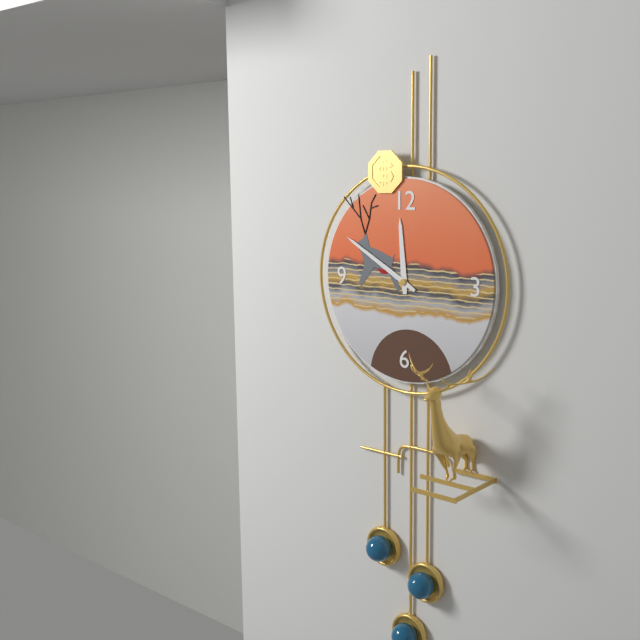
11:50
